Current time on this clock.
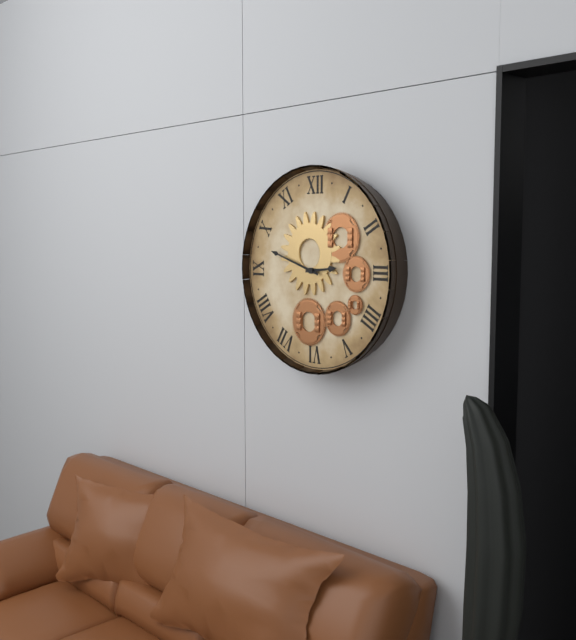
2:48
